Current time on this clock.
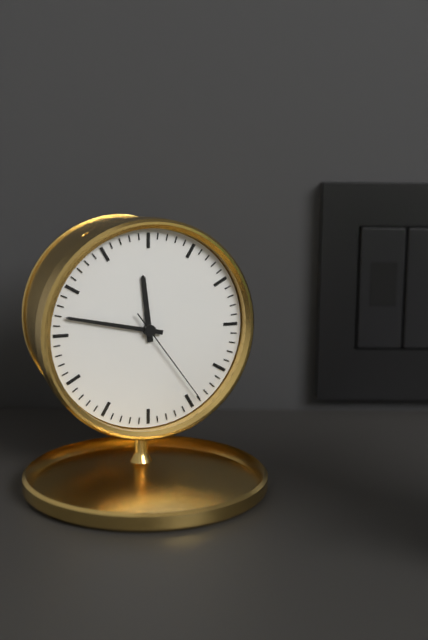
11:47:24
